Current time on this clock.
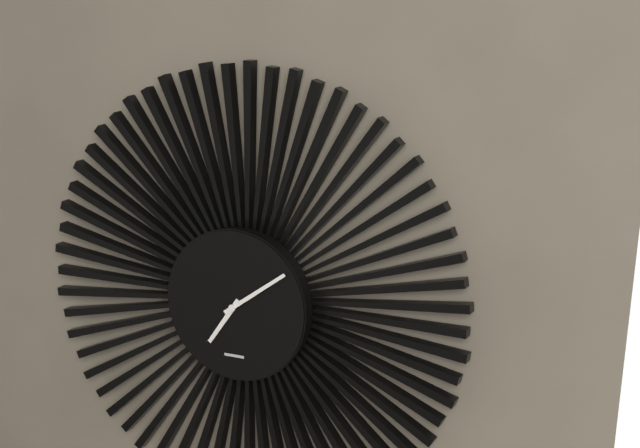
7:09
